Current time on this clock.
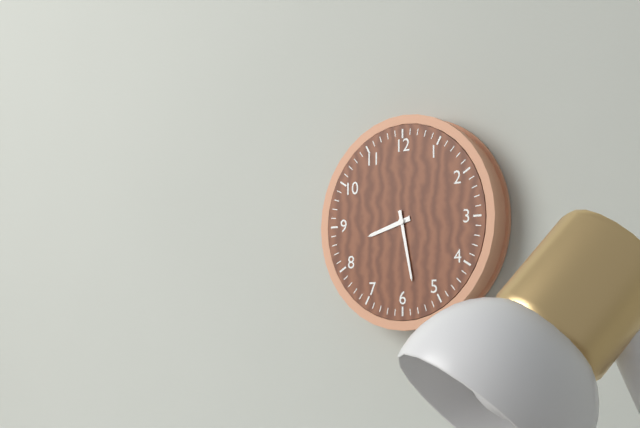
8:28
